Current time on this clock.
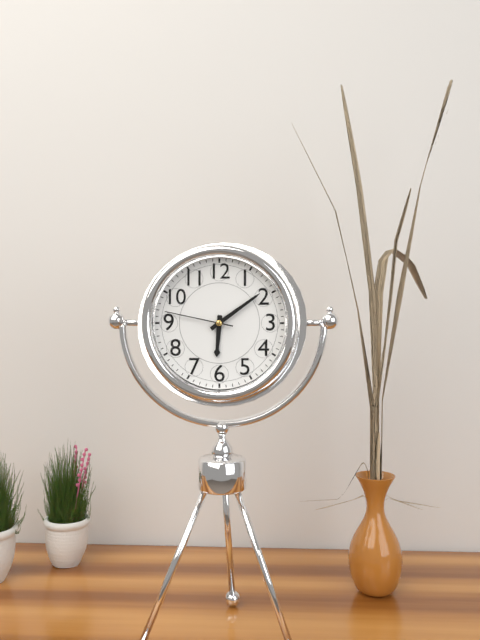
6:09:47
